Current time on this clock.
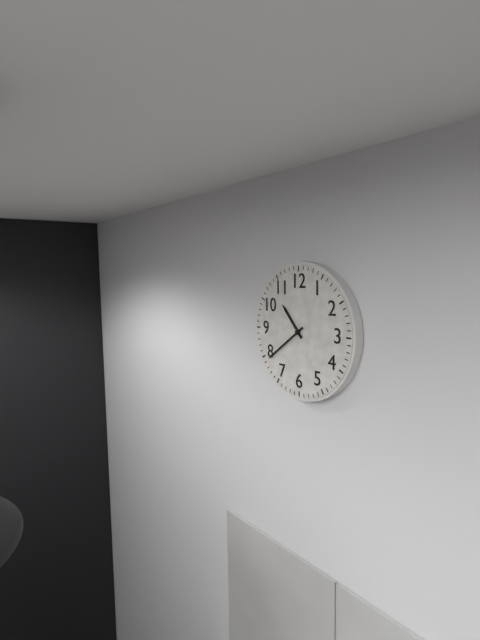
10:39
